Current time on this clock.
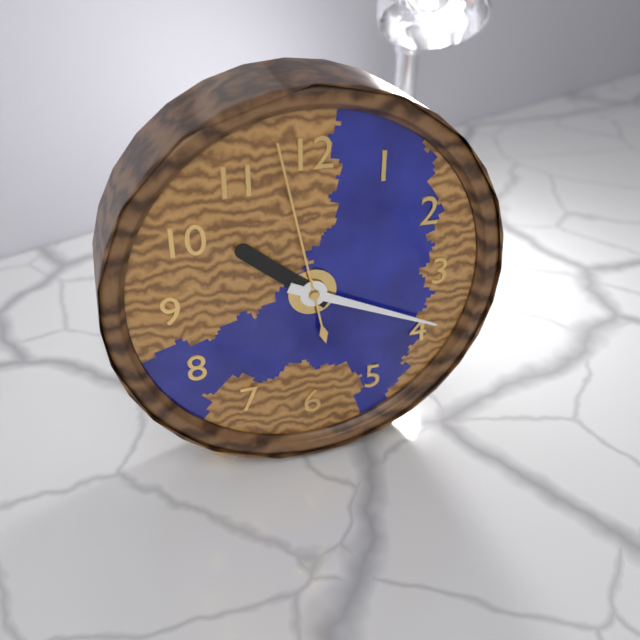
10:19:58
